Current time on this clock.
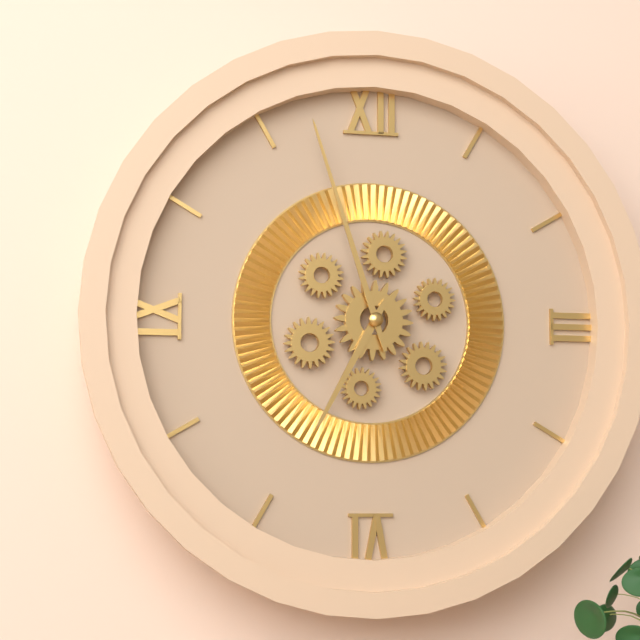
6:57
